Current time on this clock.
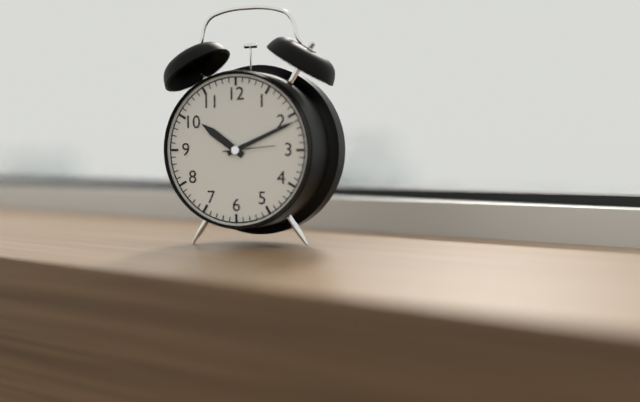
10:11
